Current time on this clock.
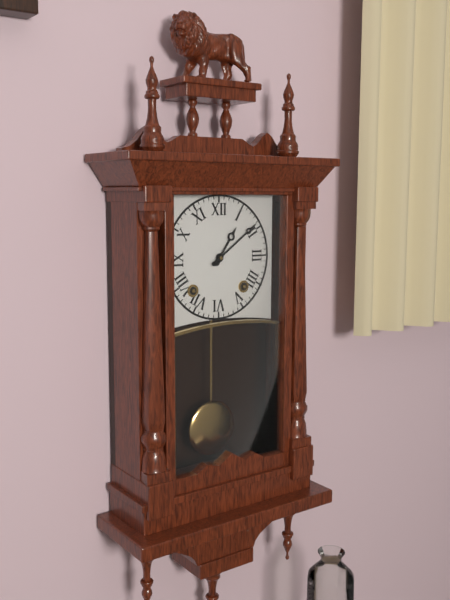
1:09
